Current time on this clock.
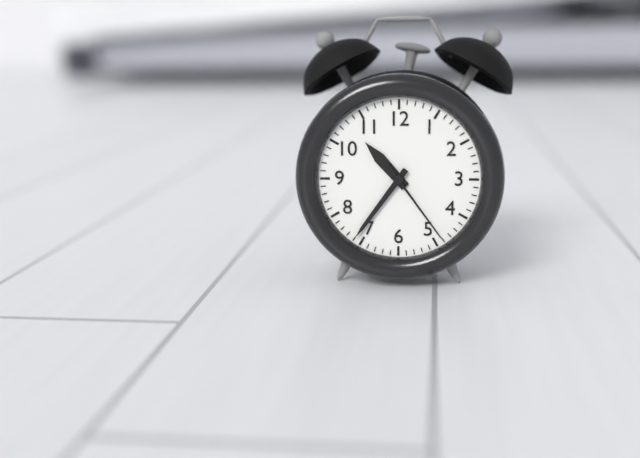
10:36:24
